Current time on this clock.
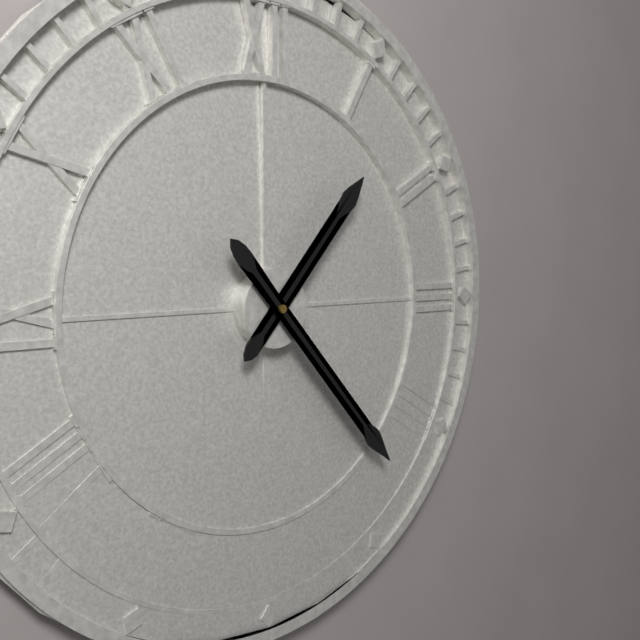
1:23
